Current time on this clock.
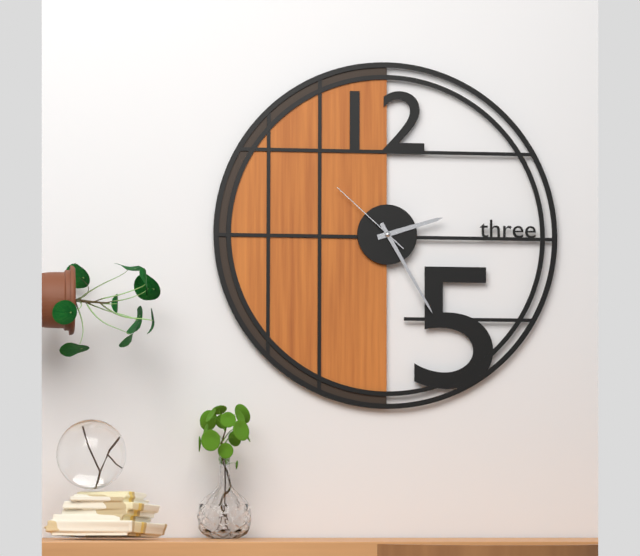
2:25:52
